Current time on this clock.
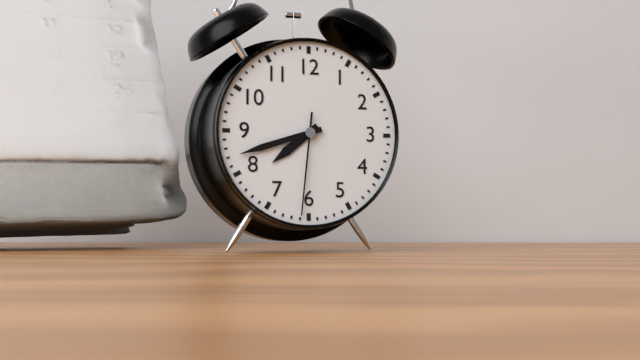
7:42:31
